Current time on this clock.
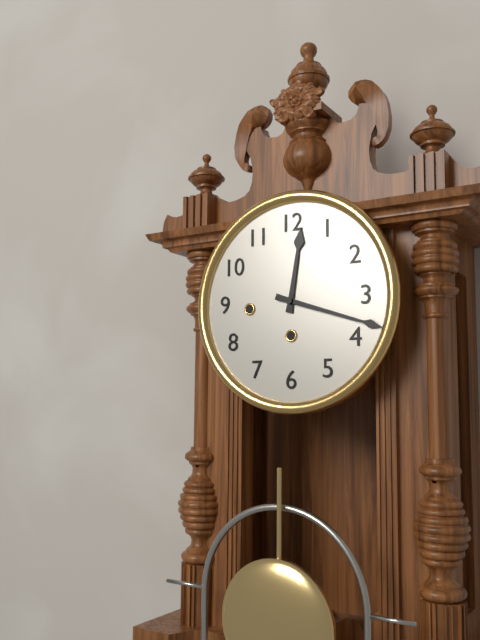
12:18
